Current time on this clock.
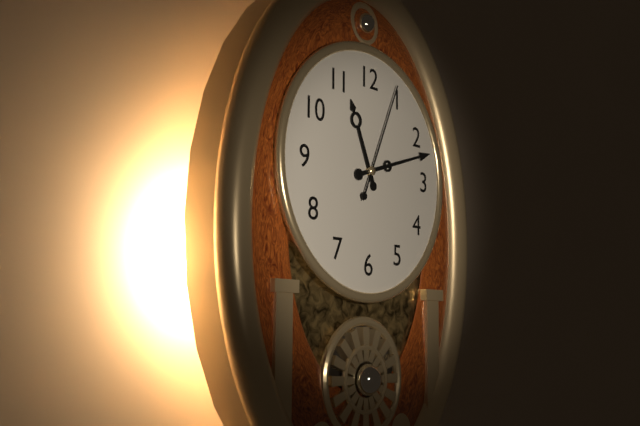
11:12:04
